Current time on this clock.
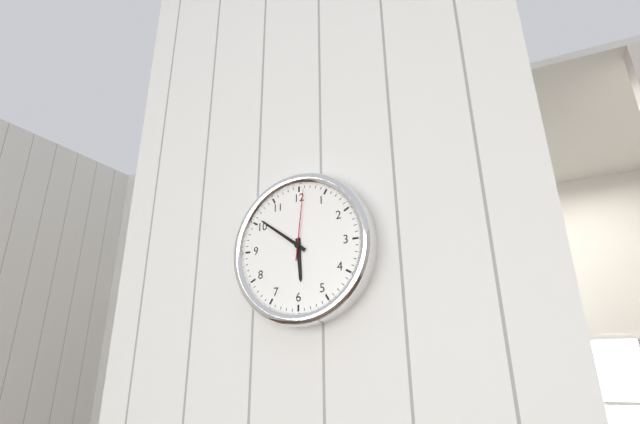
5:51:01
